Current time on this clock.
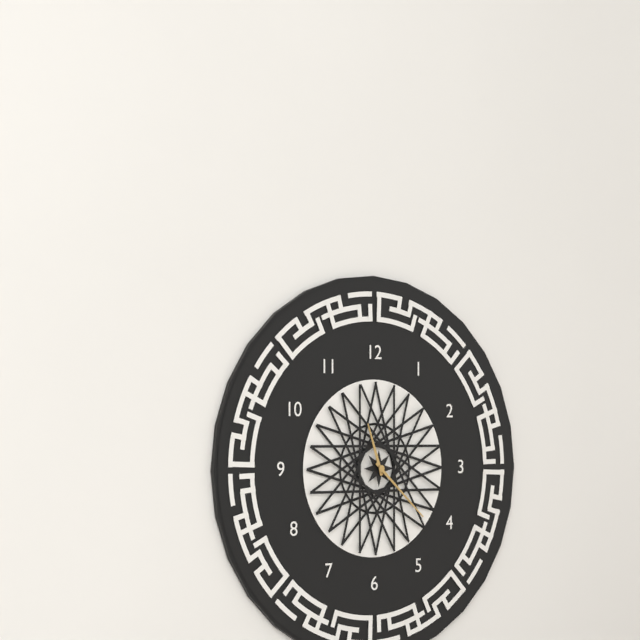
11:22
